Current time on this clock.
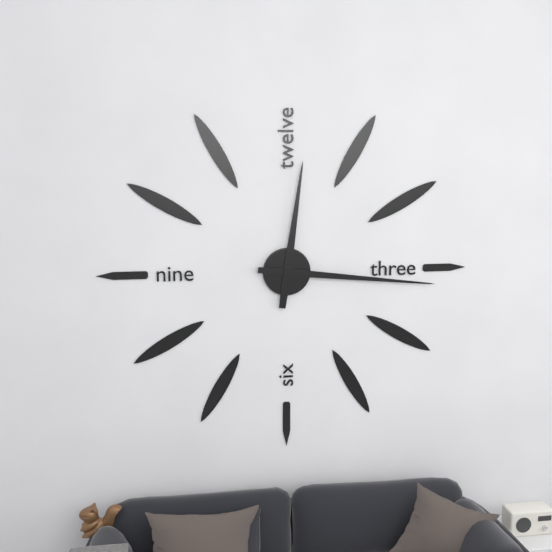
12:16
